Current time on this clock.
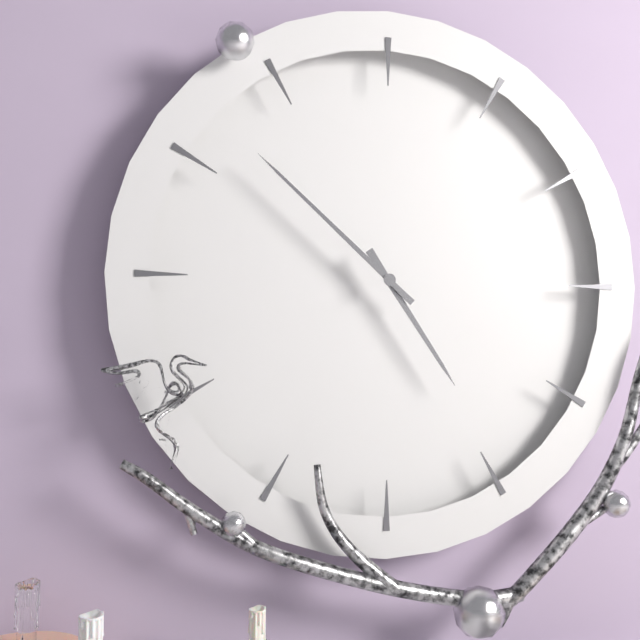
4:52
